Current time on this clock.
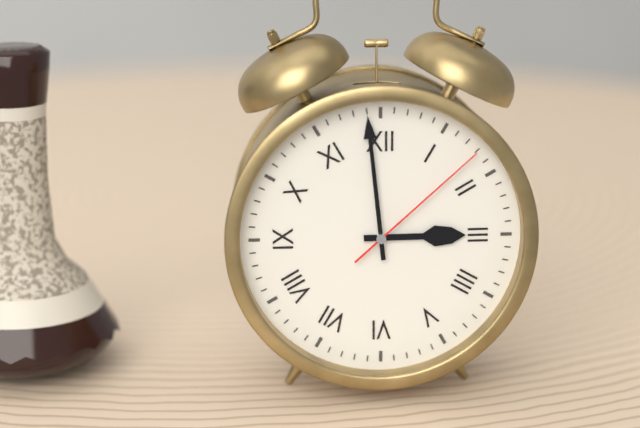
2:59:08
